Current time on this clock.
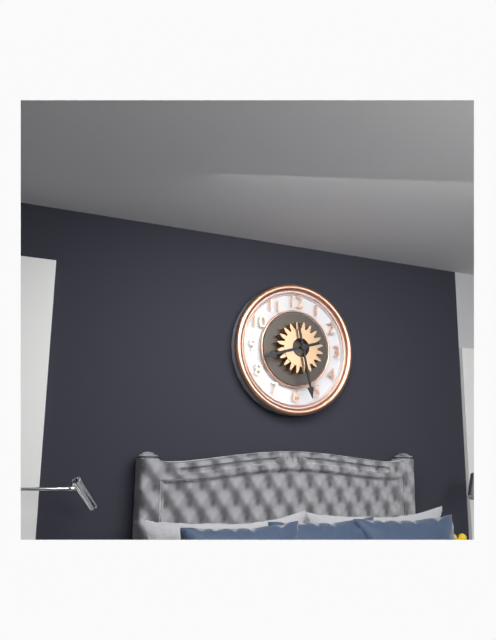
8:28
